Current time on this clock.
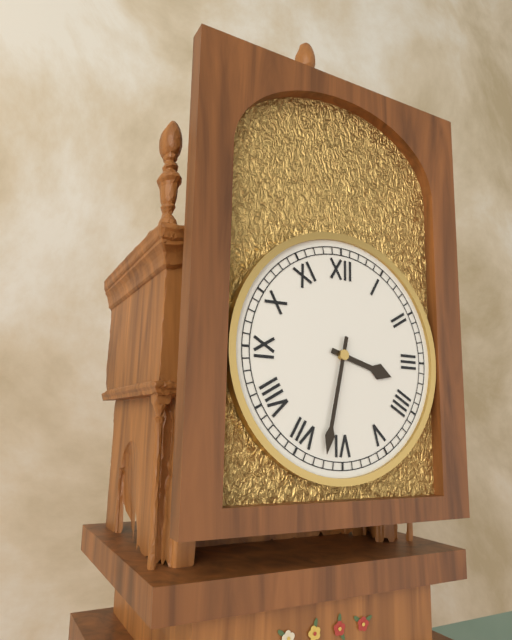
3:32
